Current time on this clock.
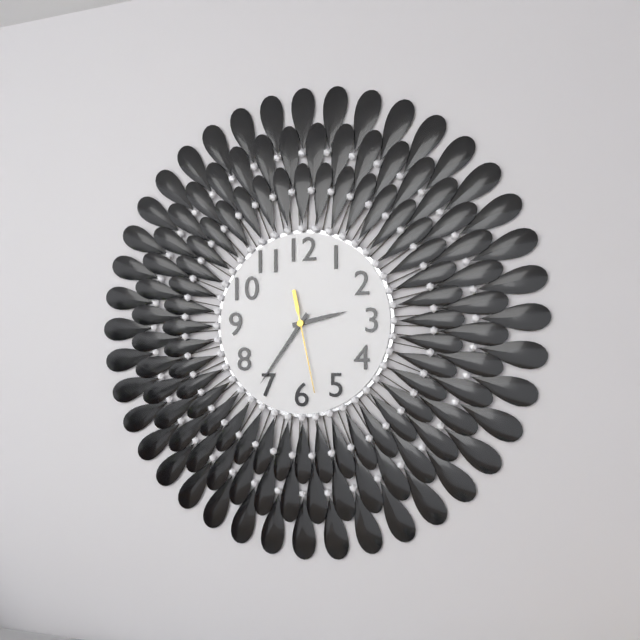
2:36:28
